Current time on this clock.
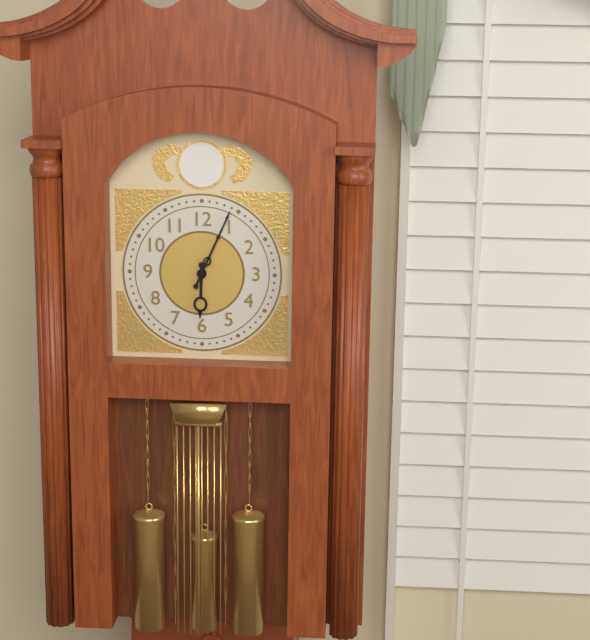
6:04
